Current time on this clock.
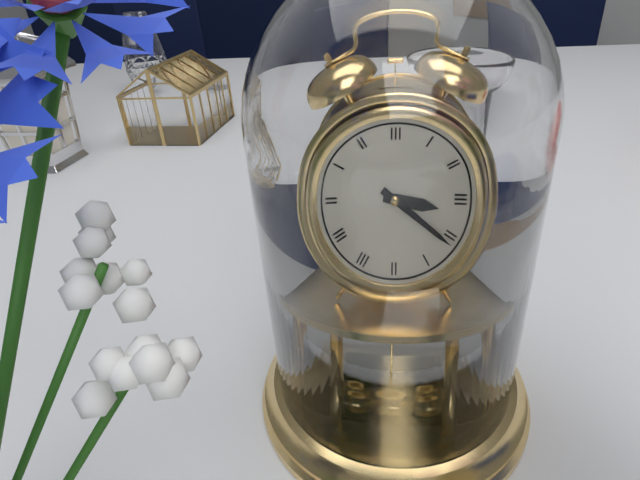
3:21
